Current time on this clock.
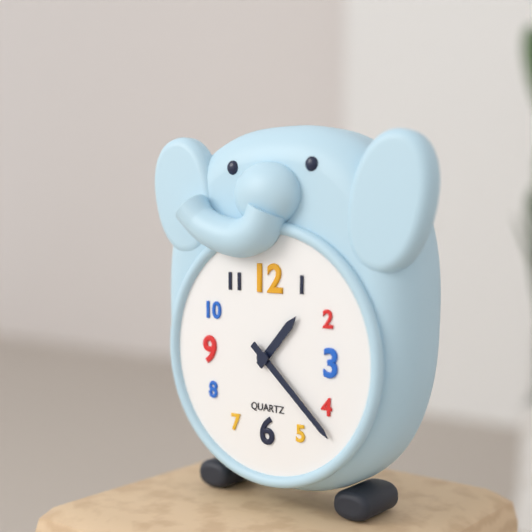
1:22
